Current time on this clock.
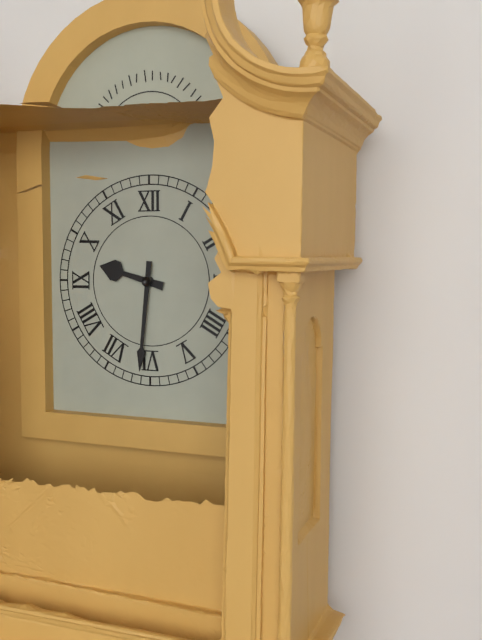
9:31
